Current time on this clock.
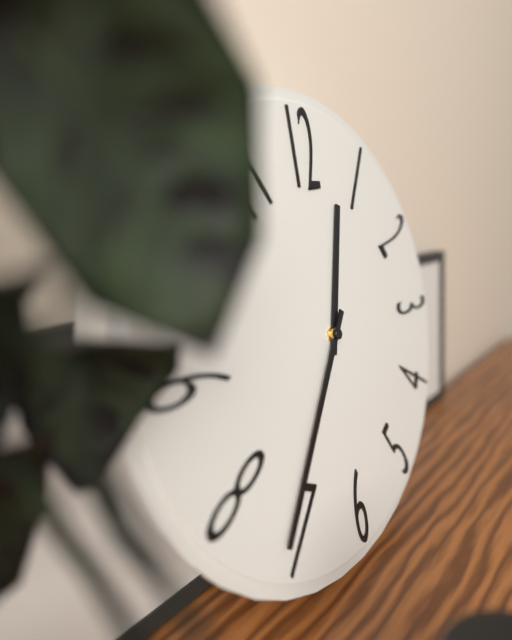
12:36
